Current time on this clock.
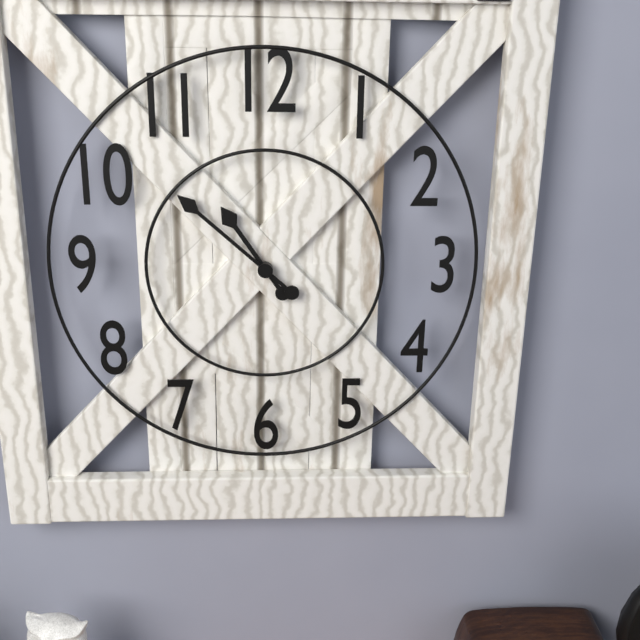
10:52
